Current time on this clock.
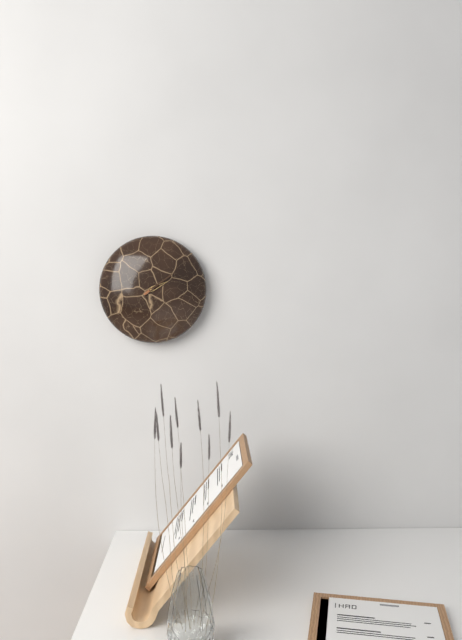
2:09
